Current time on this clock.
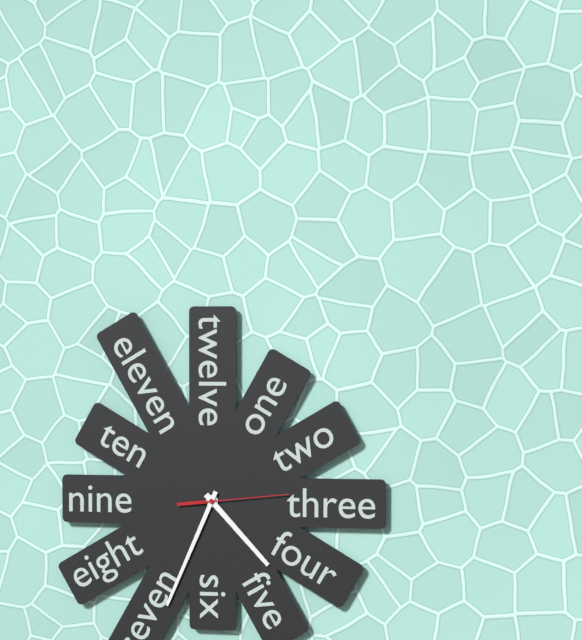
4:34:14
